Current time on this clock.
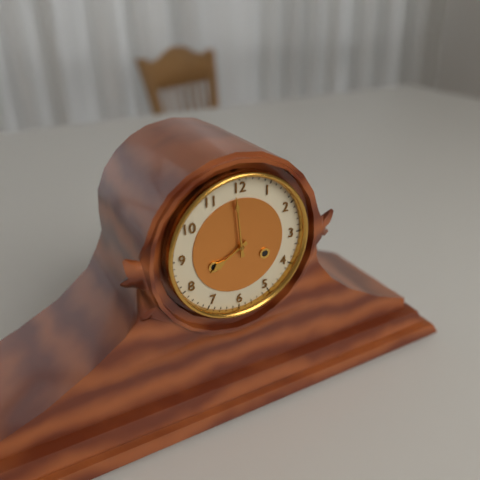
7:59
